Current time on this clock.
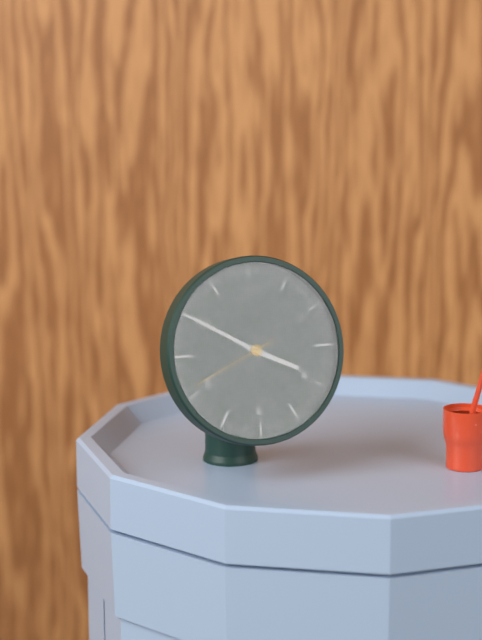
3:50:41
